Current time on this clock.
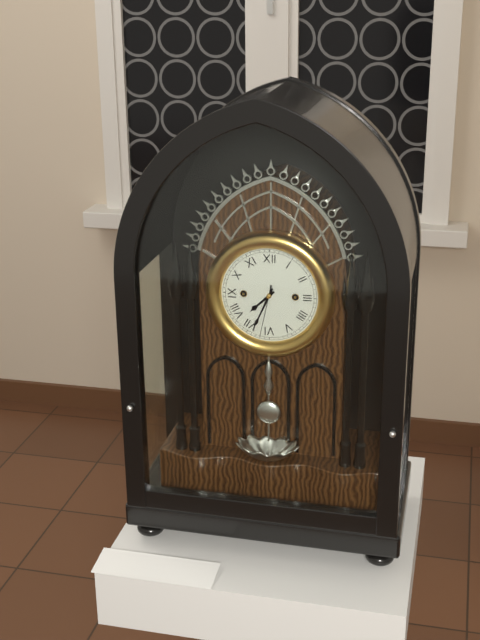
7:34:32
